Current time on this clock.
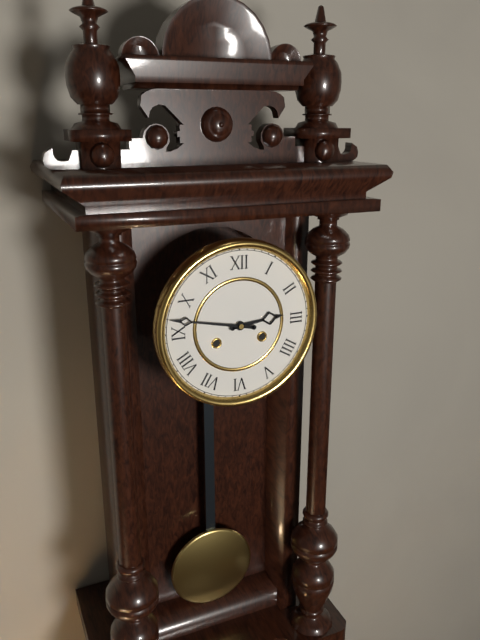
2:47
